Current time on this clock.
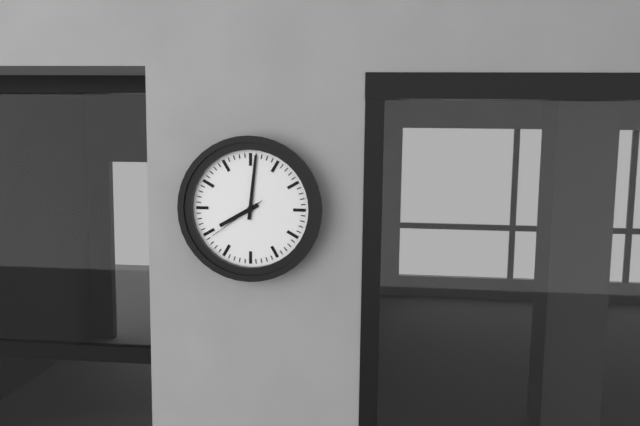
8:01:39
